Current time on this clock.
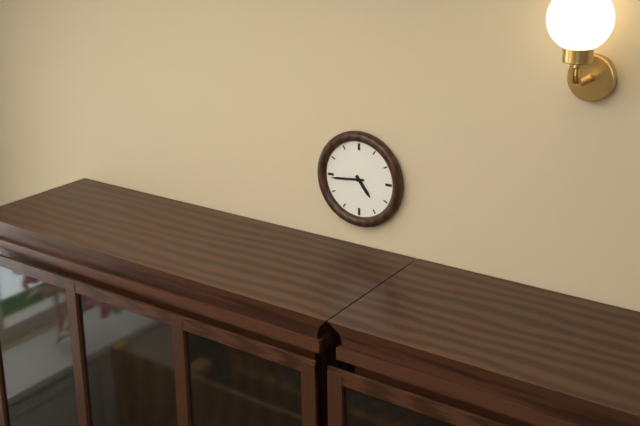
4:44
